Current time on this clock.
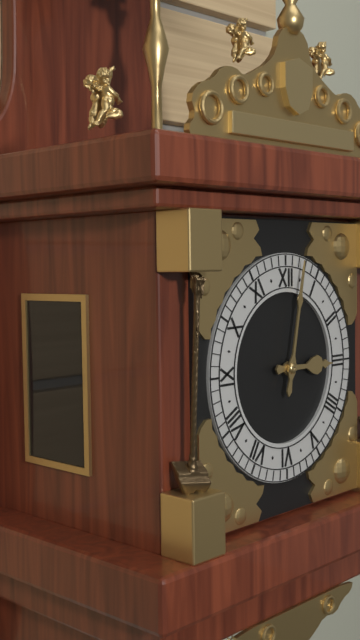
3:02
